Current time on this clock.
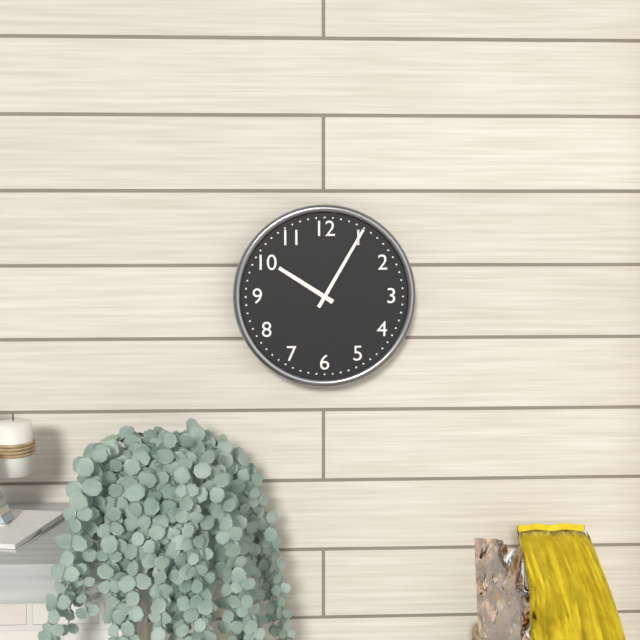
10:05
